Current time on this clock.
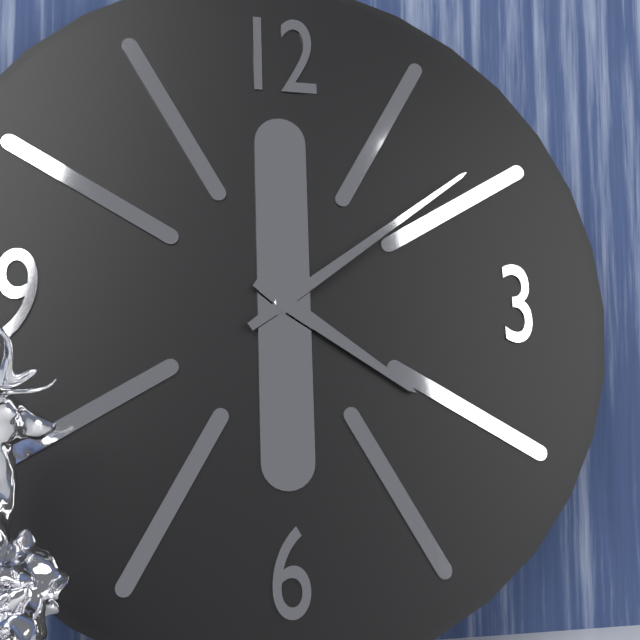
4:09
